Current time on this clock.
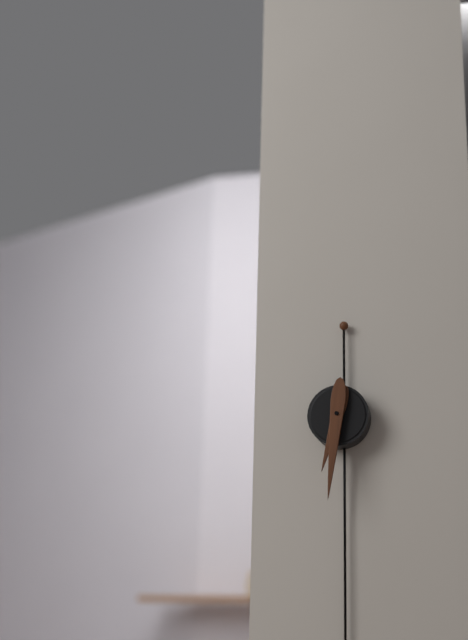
6:31
